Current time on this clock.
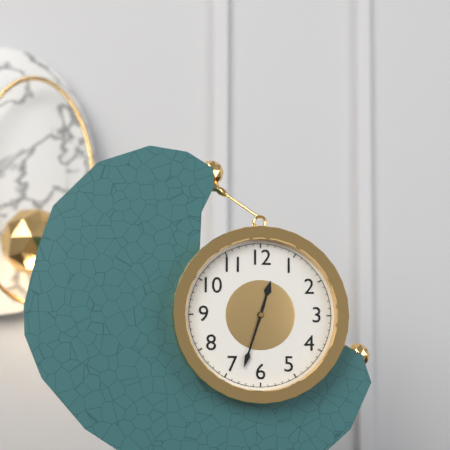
12:33
